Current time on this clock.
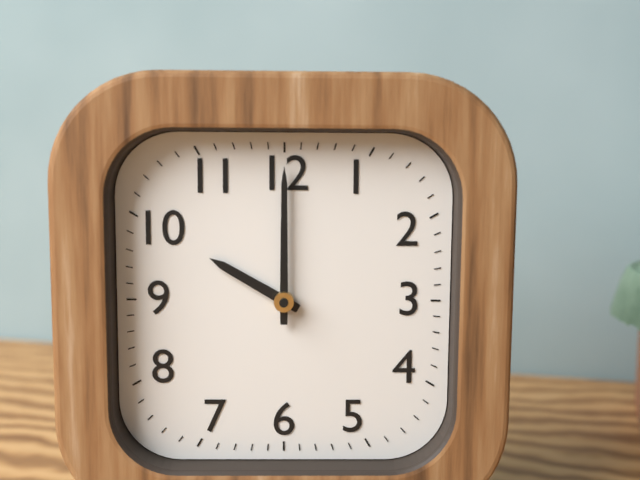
10:00
